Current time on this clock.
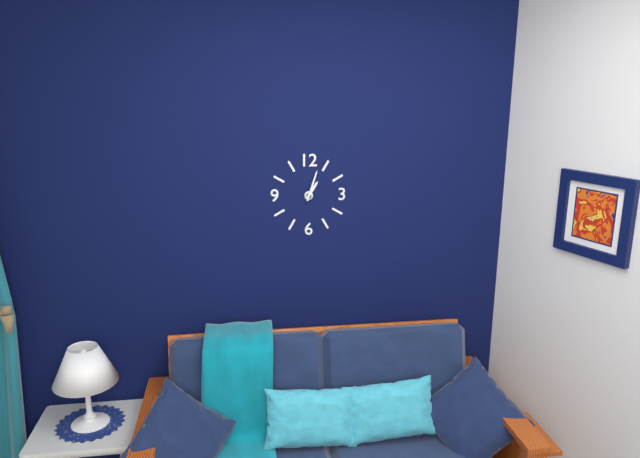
1:03
